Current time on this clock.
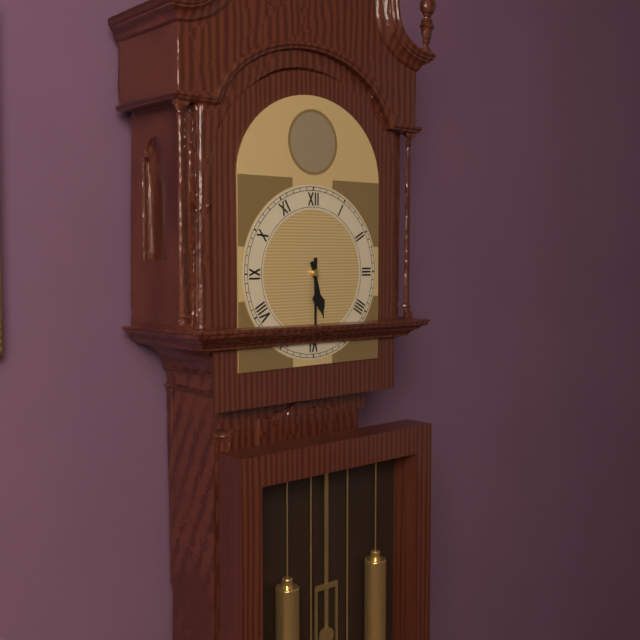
5:30
